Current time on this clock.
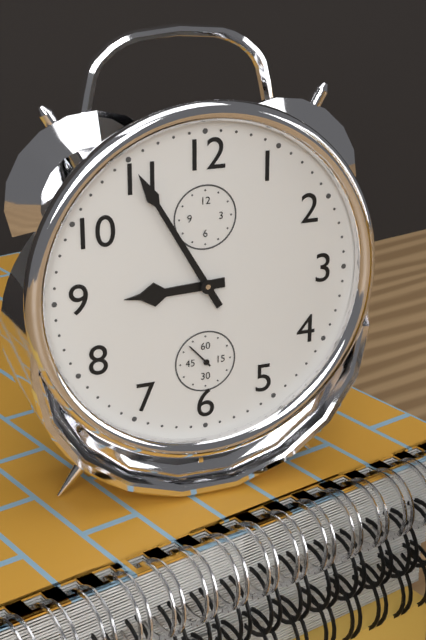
8:55
